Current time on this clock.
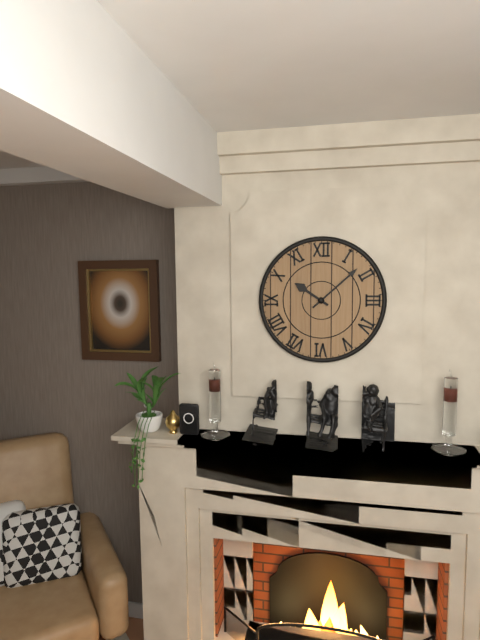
10:08
